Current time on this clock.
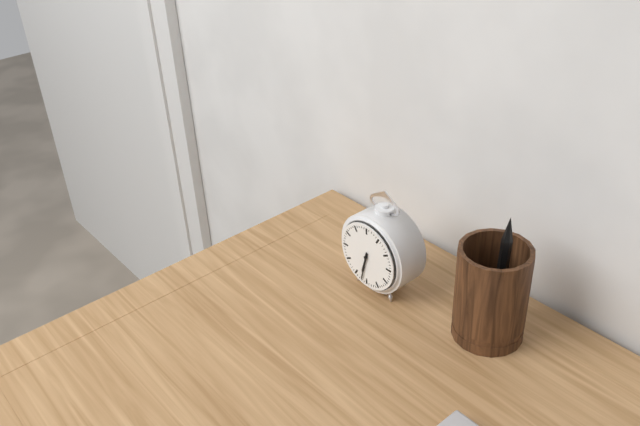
6:32
